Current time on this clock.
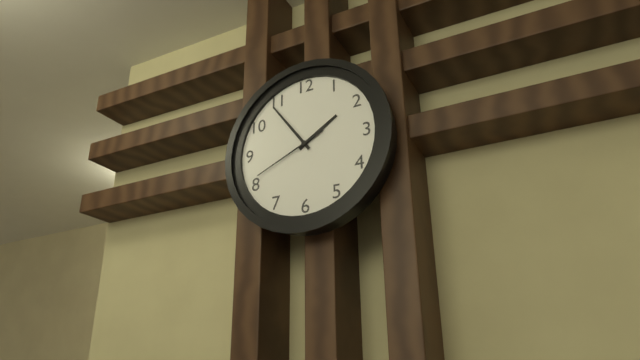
1:54:41
